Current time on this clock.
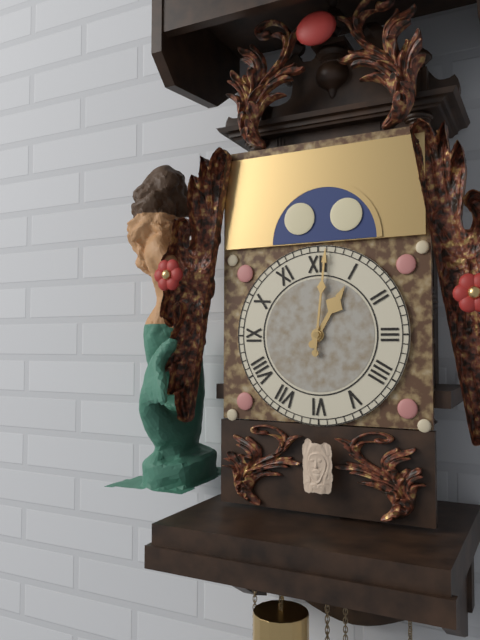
1:01
